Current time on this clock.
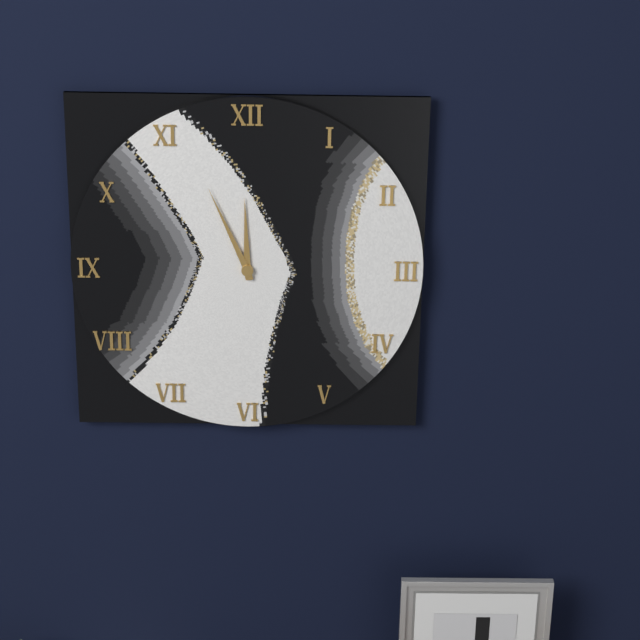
11:56
